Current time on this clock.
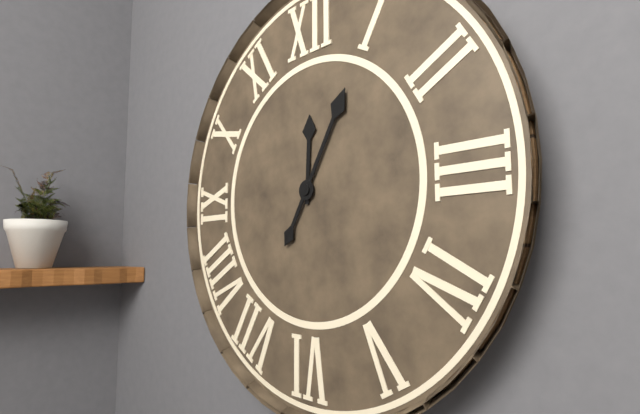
12:05
